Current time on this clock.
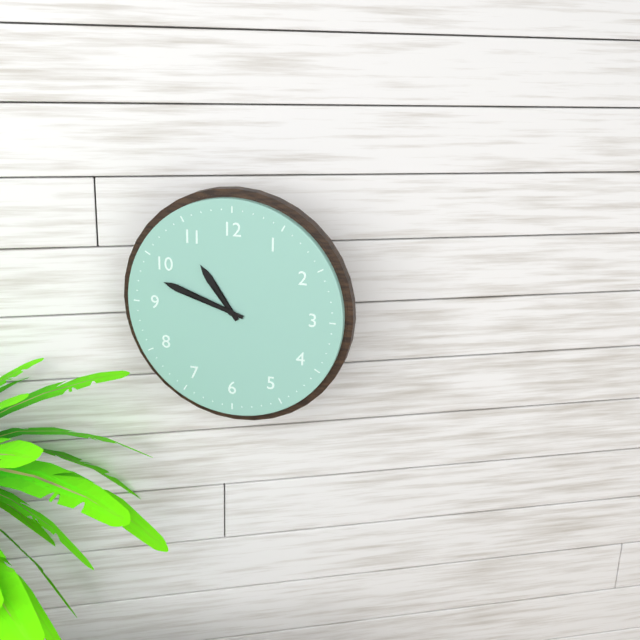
10:48
